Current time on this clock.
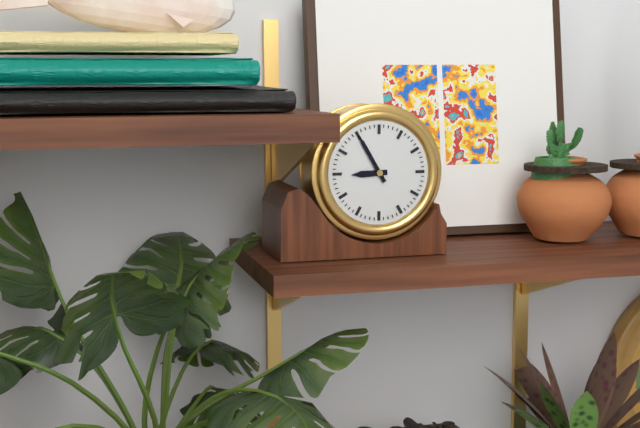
8:55
